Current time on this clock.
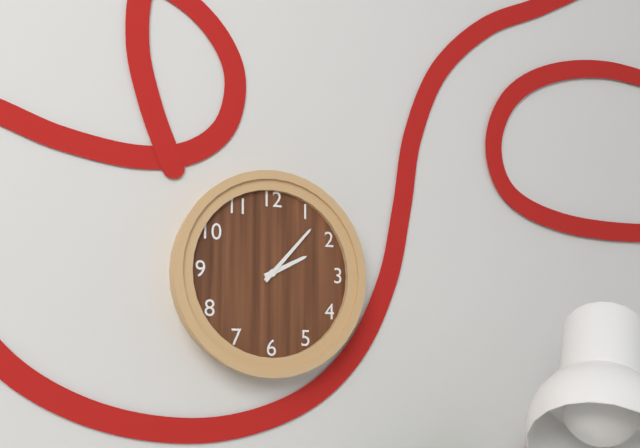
2:07
